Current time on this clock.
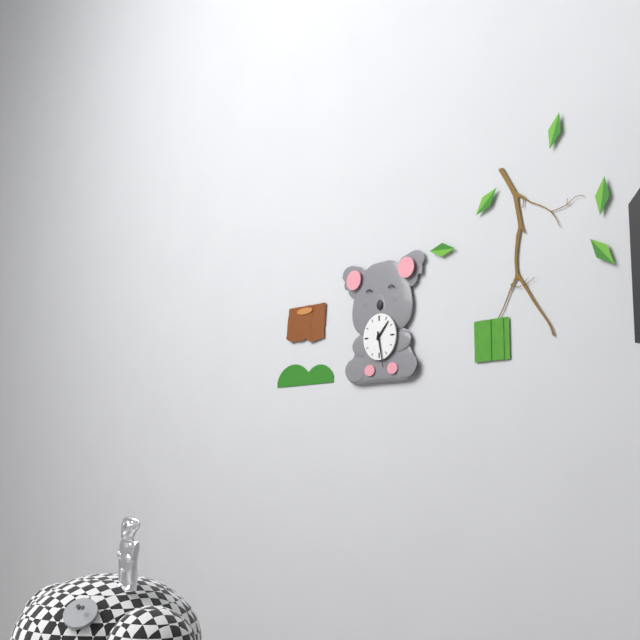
1:28
